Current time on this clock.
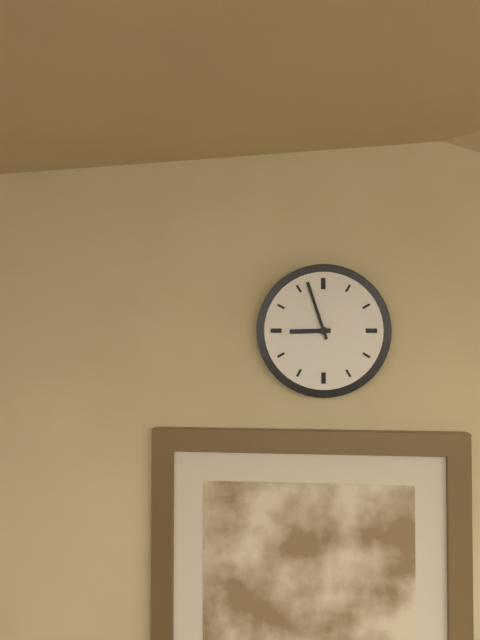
8:57
